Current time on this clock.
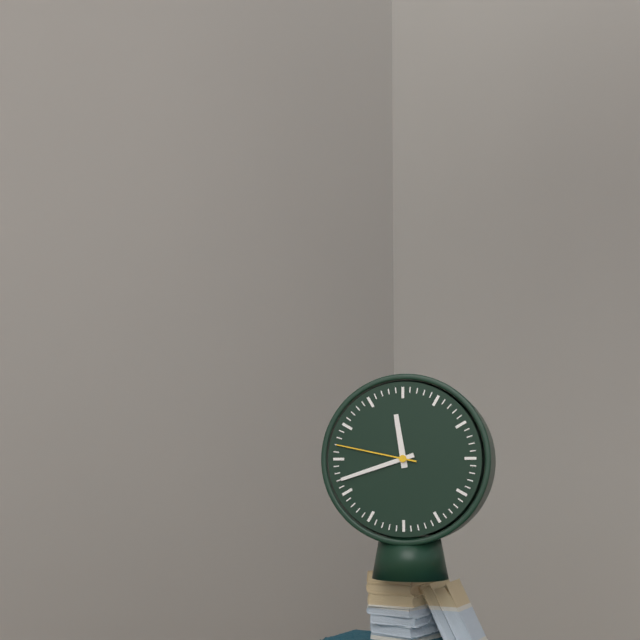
11:42:47
